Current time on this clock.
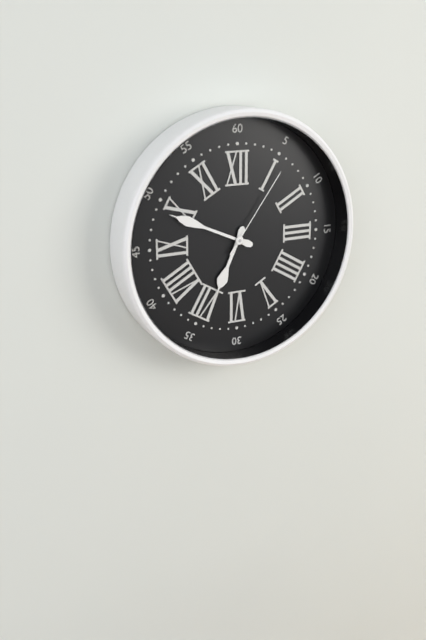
6:49:06
